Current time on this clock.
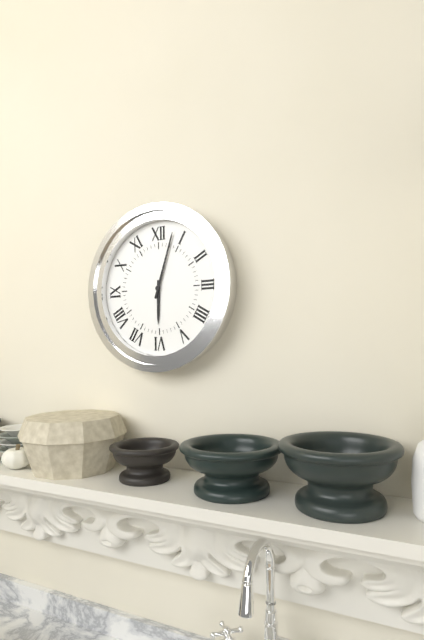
6:03
